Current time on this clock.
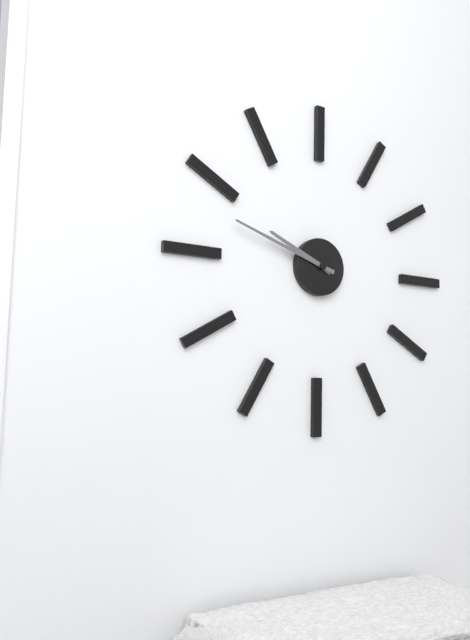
9:48
